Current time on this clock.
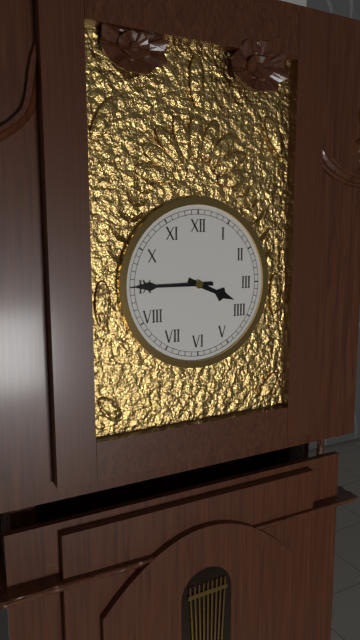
3:45
